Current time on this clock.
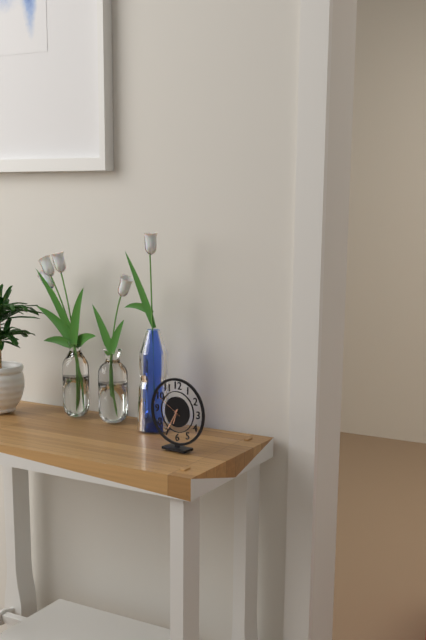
6:35
